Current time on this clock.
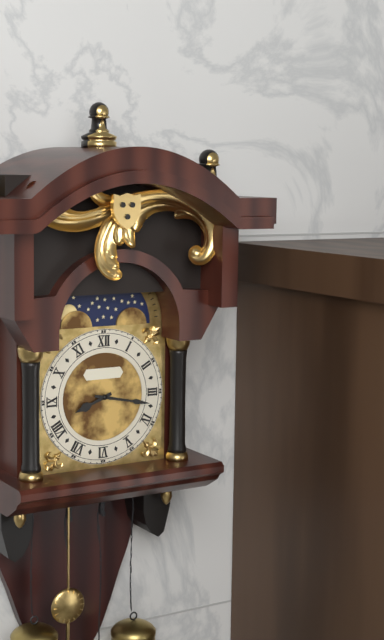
8:17
